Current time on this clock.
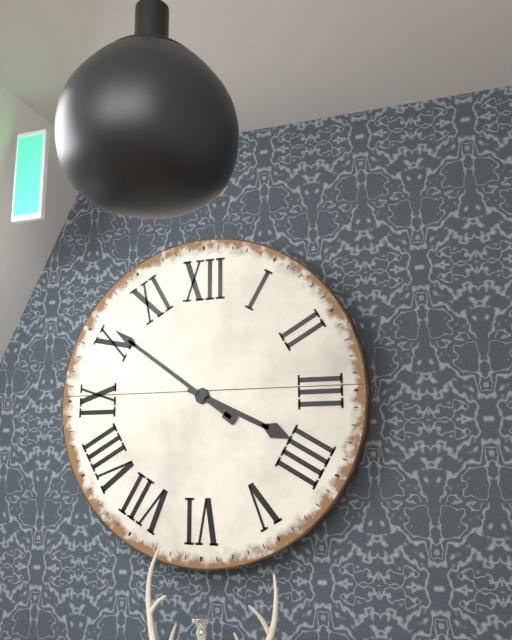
3:51
